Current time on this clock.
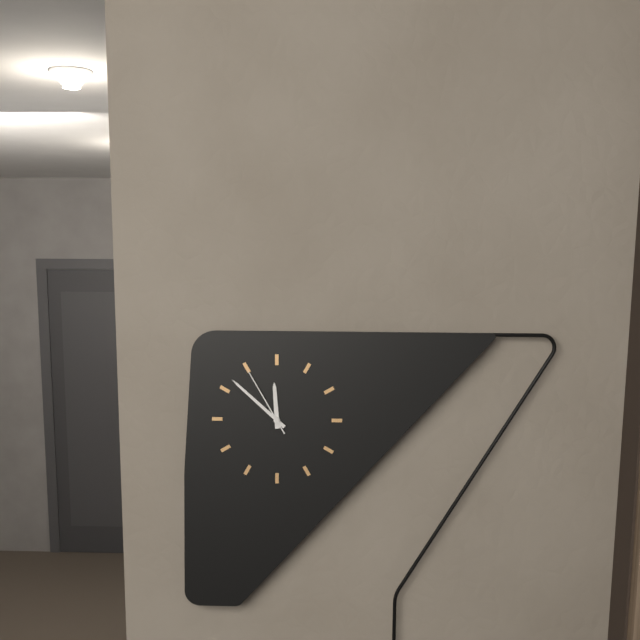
11:52:55
